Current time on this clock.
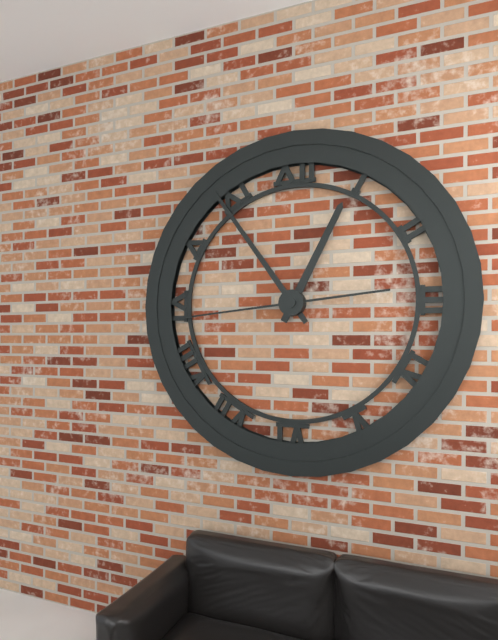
12:54:44
